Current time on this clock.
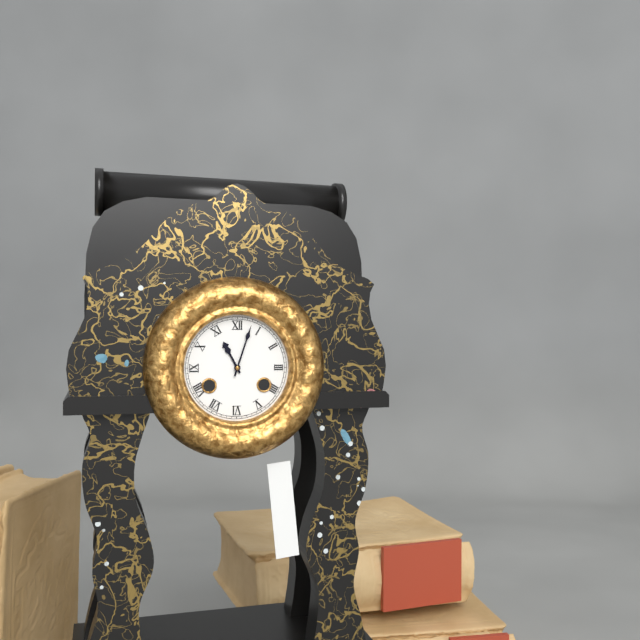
11:03
